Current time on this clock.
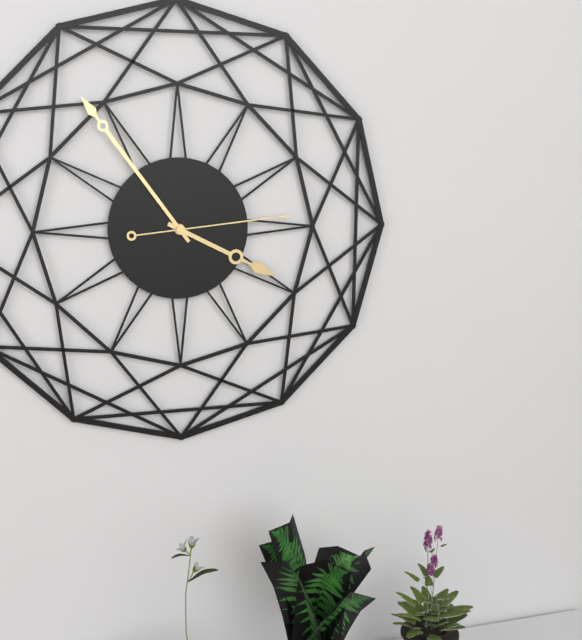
3:54:14
